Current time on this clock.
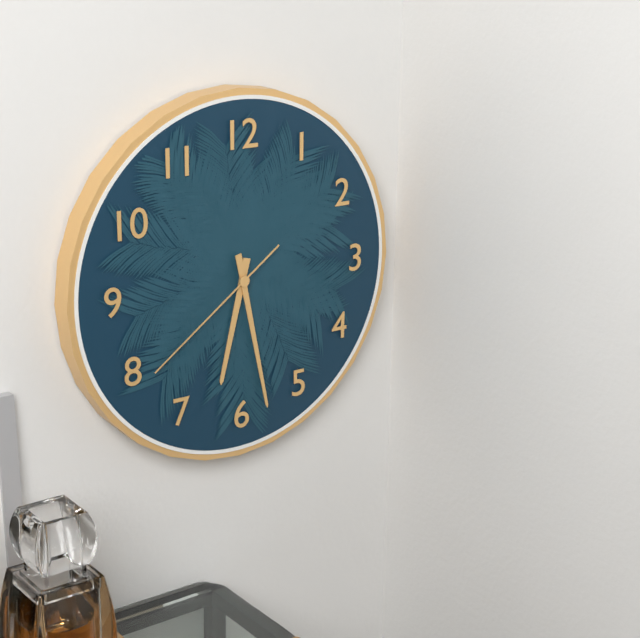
6:28:39
